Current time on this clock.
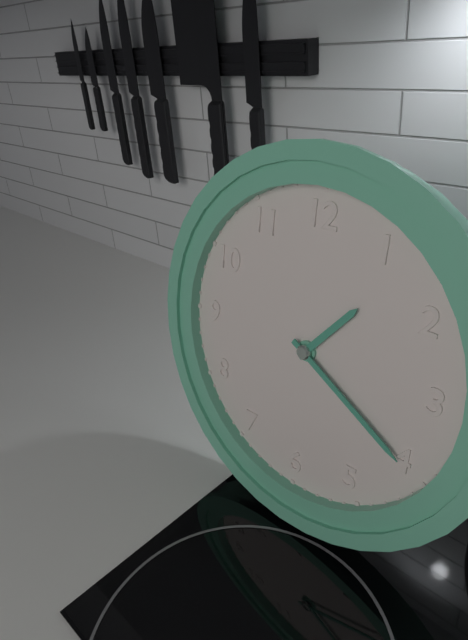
1:20
